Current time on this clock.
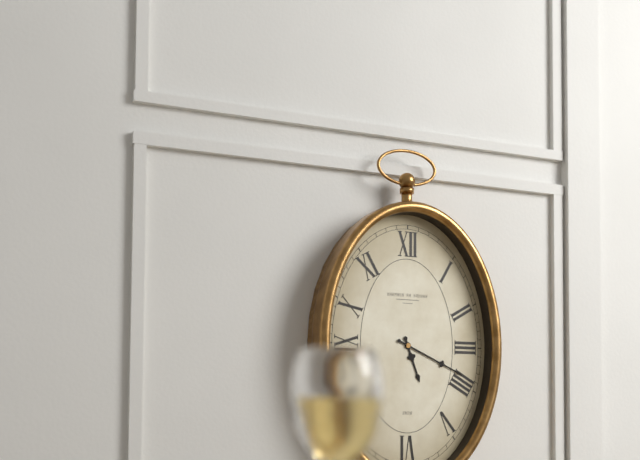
5:19
